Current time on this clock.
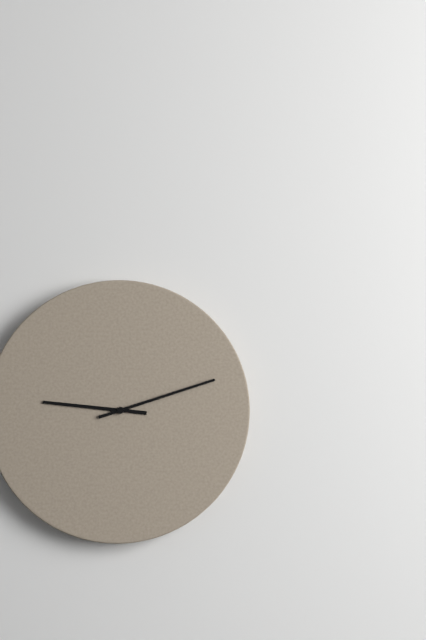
9:12
